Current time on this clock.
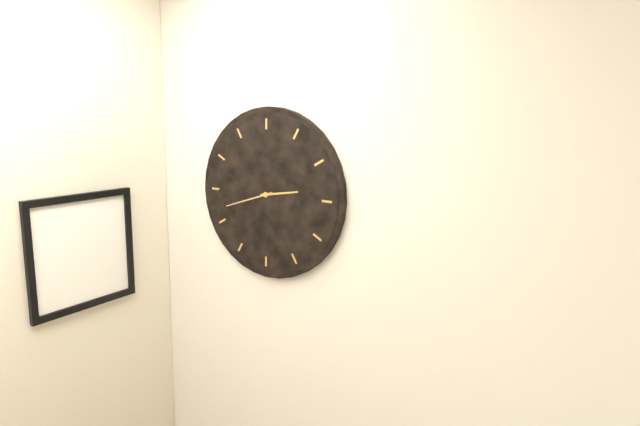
2:42
